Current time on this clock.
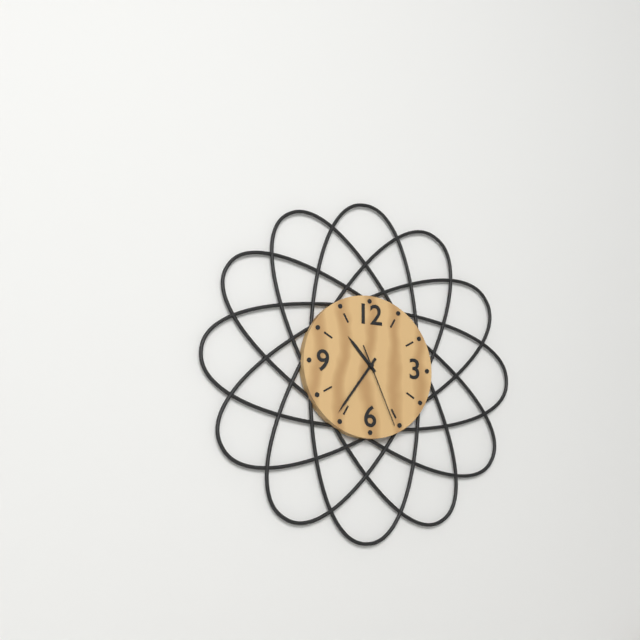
10:36:26
